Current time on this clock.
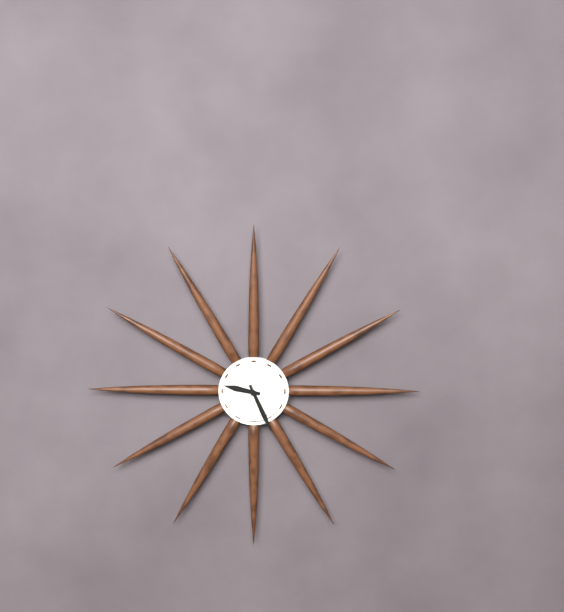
9:26
